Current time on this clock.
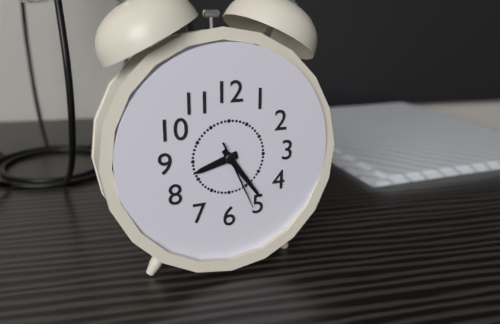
8:24:26
